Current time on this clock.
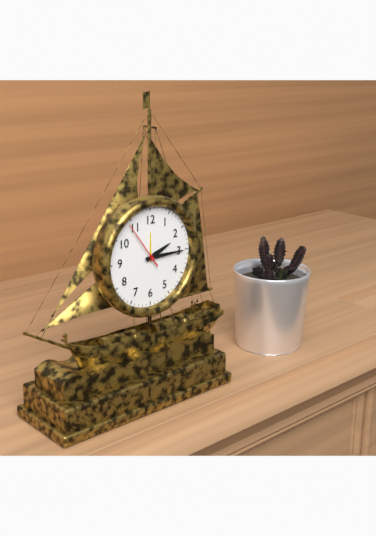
2:15:54
